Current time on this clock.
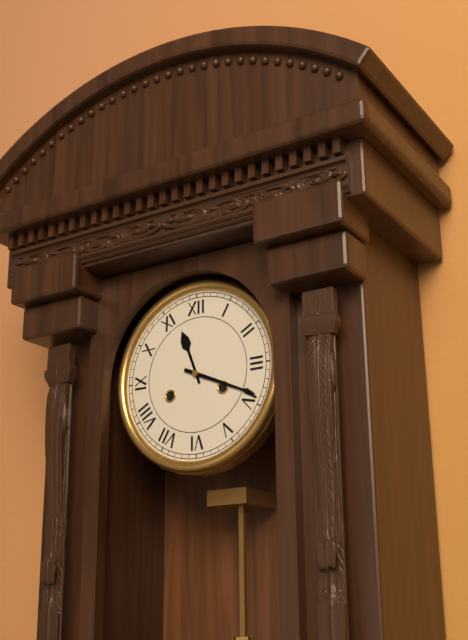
11:19
